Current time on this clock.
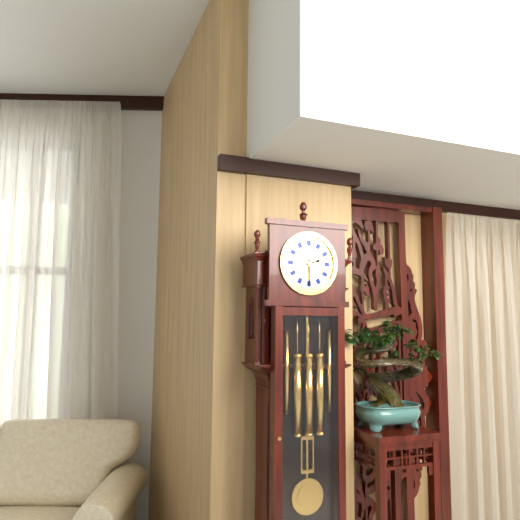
2:30
